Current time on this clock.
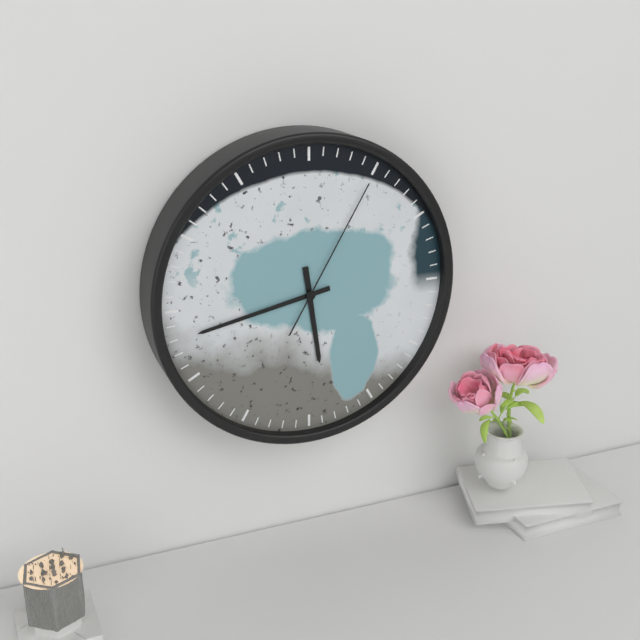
5:43:05
